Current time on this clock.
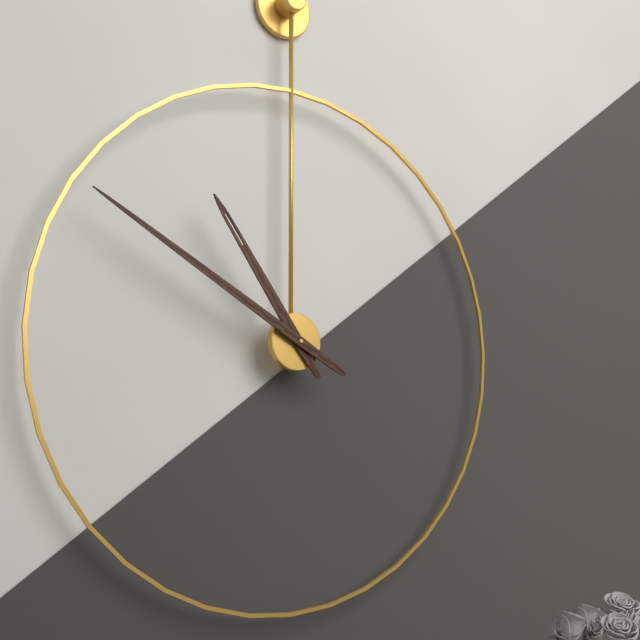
10:50
